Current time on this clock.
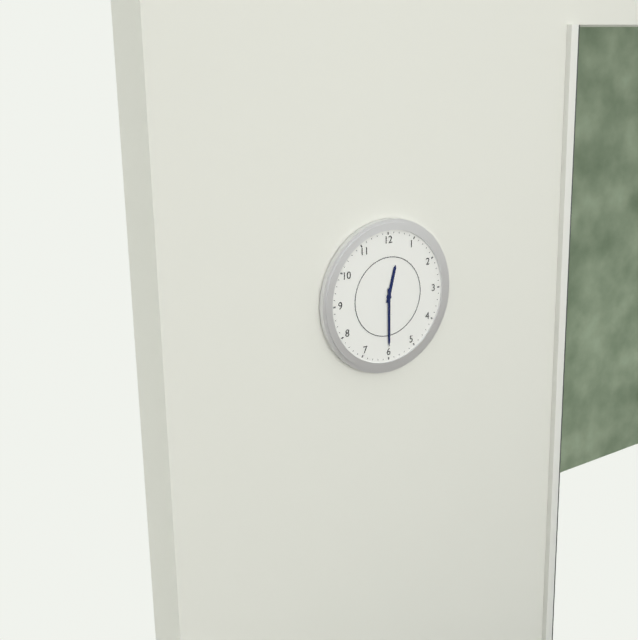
12:30
